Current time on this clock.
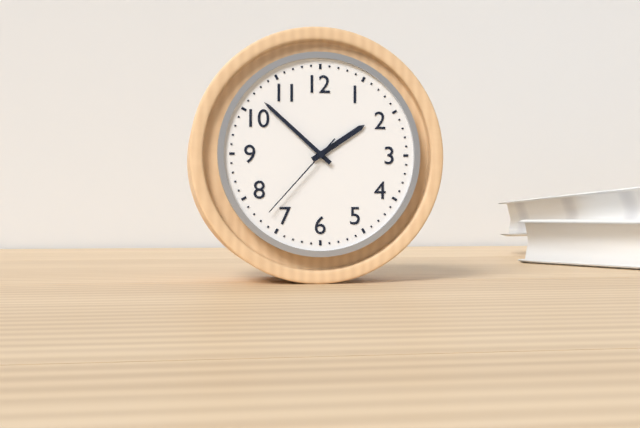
1:52:37
